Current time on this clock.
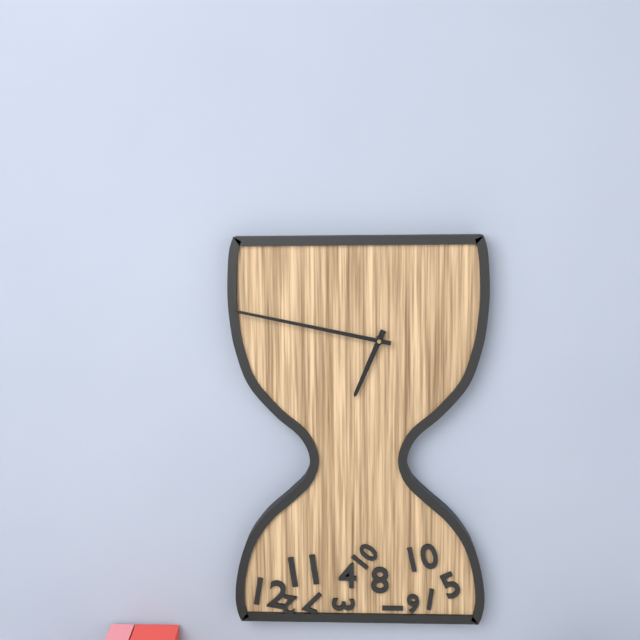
6:47
